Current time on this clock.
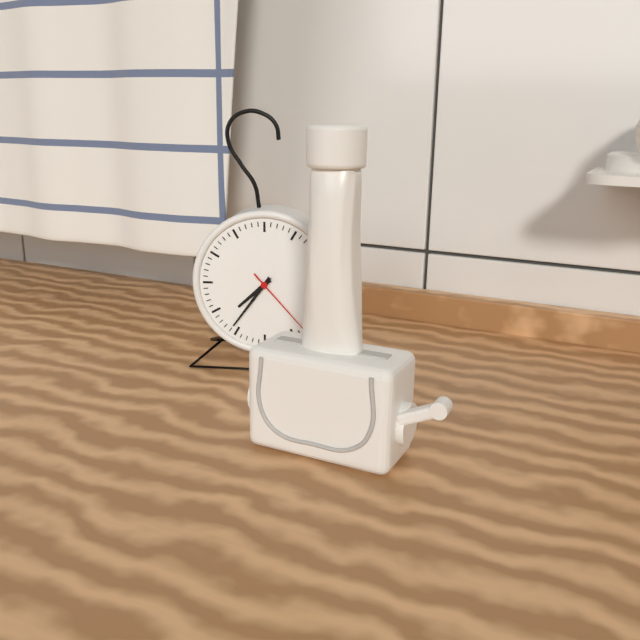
7:36:23
